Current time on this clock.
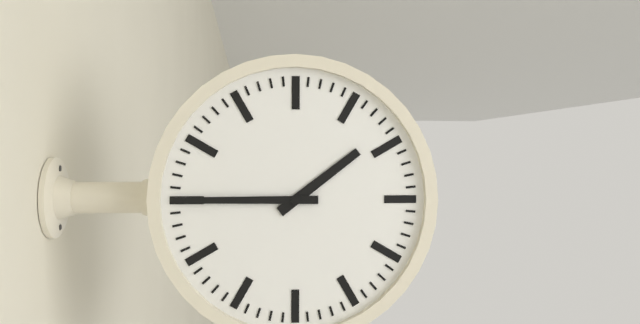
1:45
